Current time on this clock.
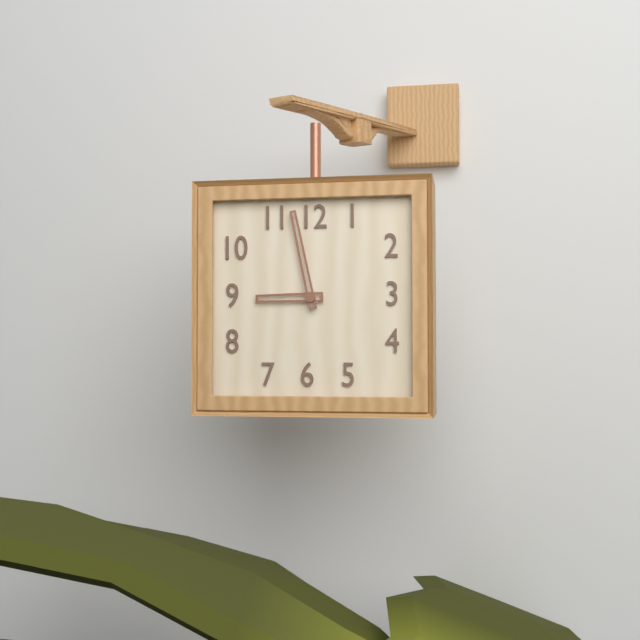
8:58
